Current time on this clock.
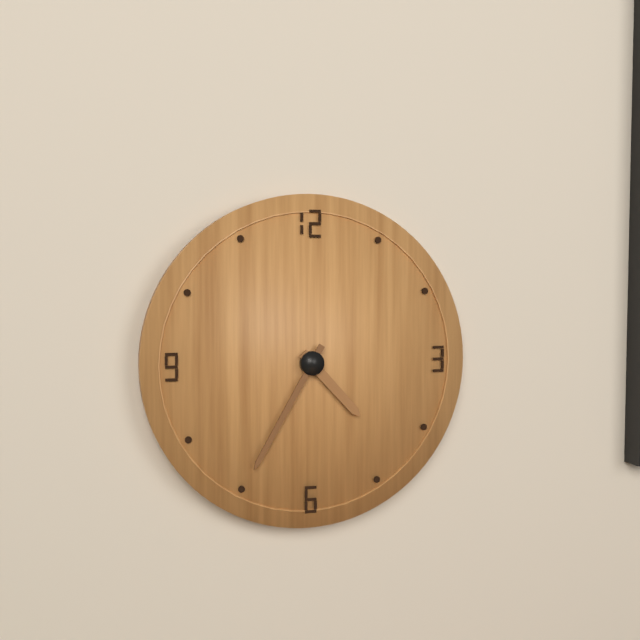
4:35
